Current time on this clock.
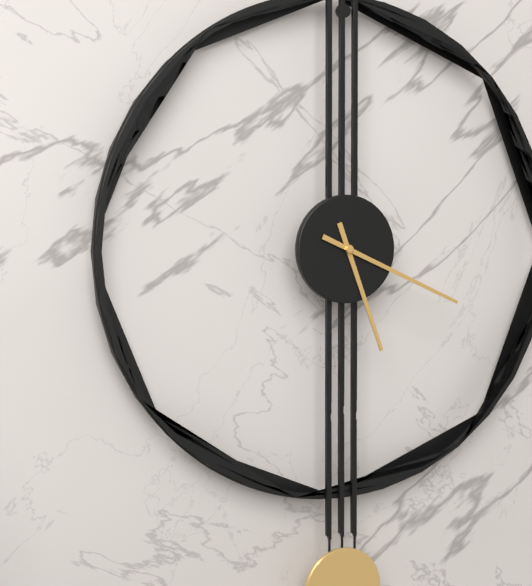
5:19
